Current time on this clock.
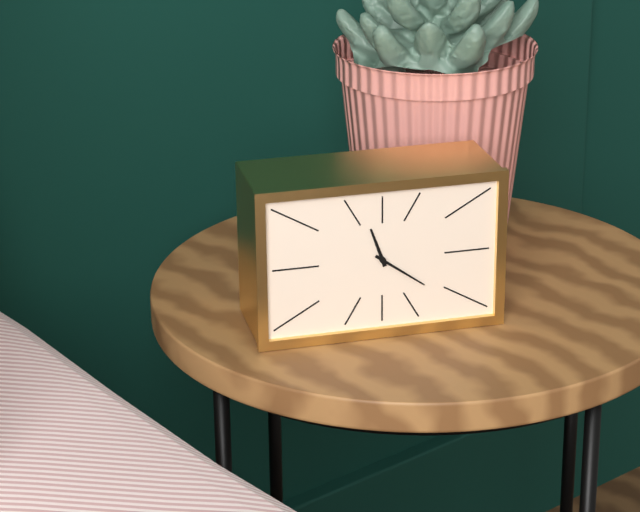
11:21
